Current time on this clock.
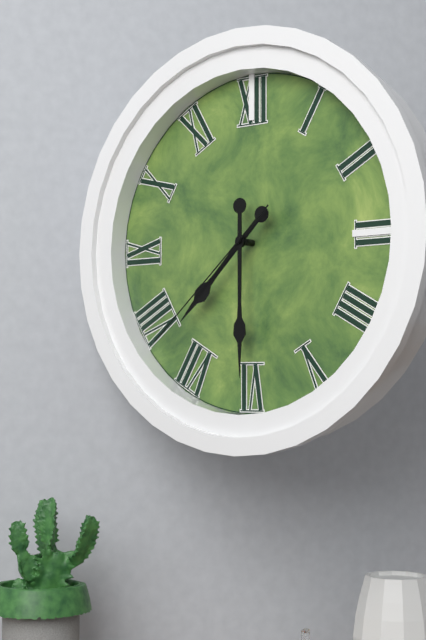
7:30:38
